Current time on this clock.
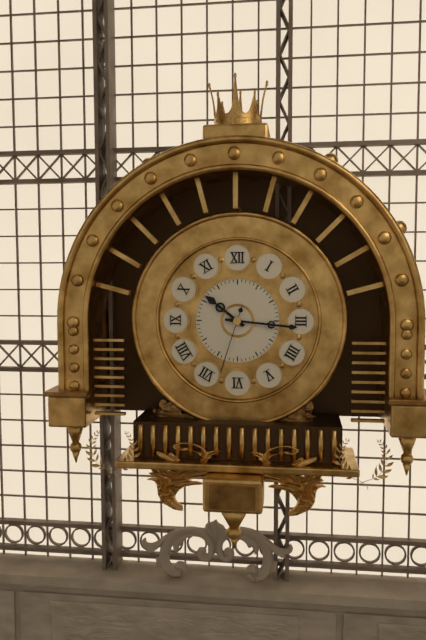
10:16:33
